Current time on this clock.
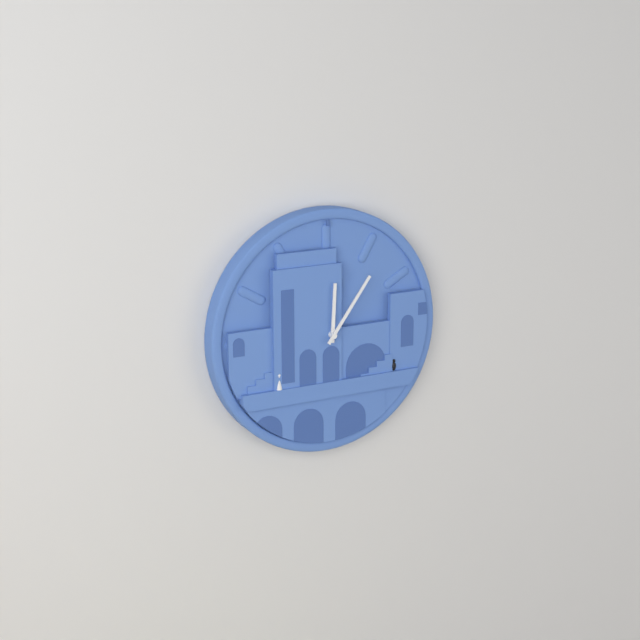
12:06
